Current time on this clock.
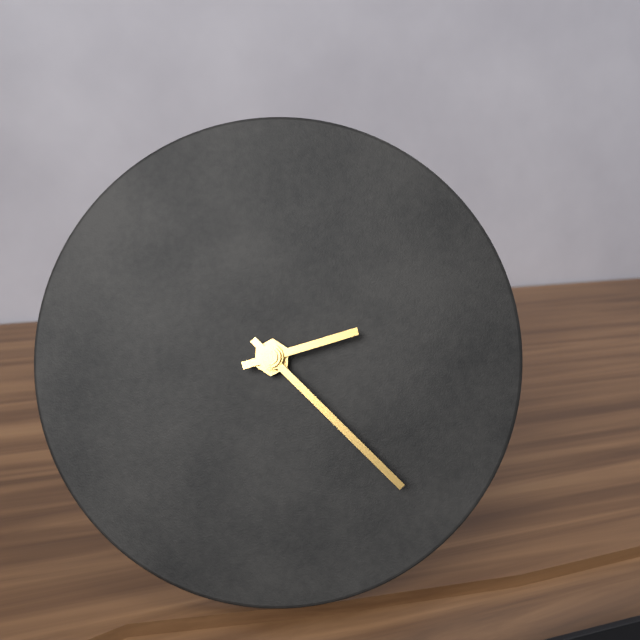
2:22
